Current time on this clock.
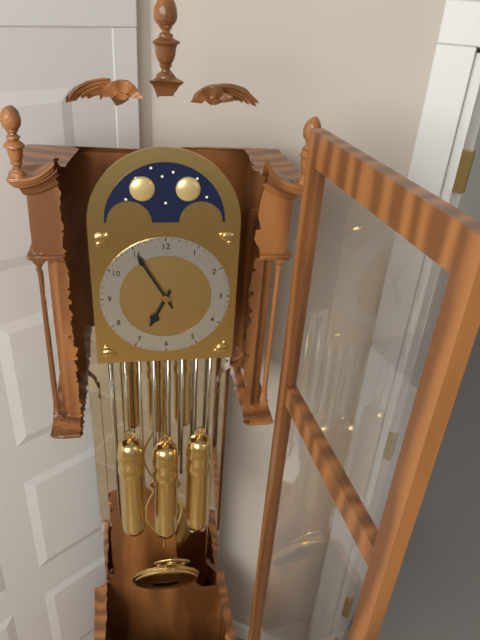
6:55
